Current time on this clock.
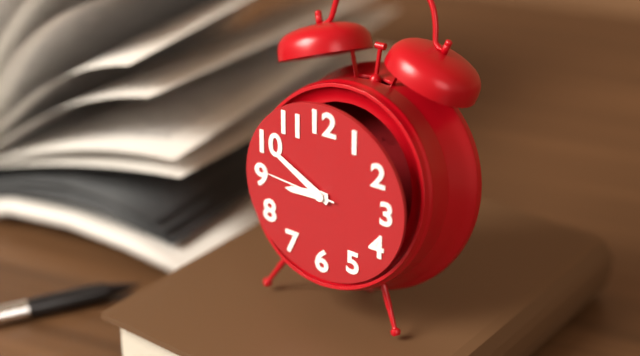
8:50:46
